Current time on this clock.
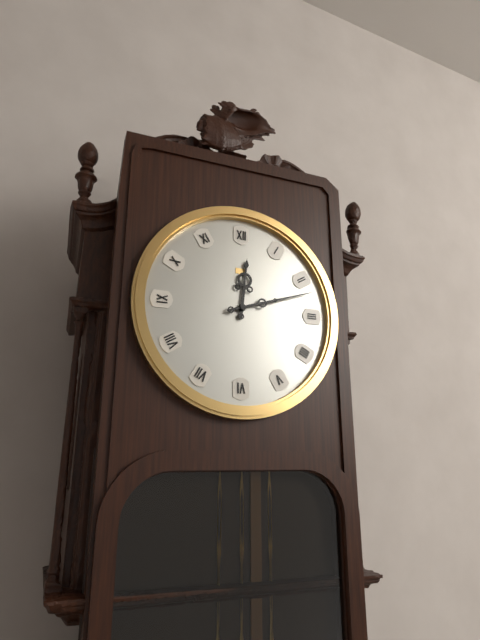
12:12
